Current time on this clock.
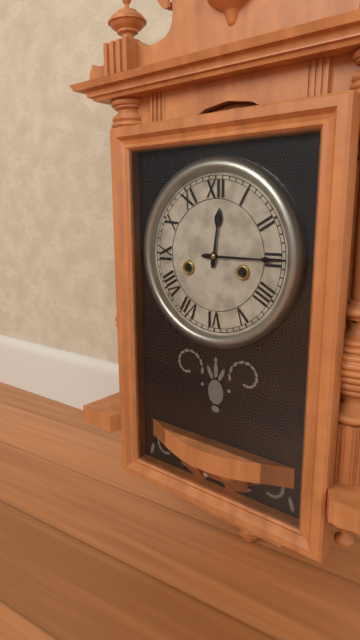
12:15
